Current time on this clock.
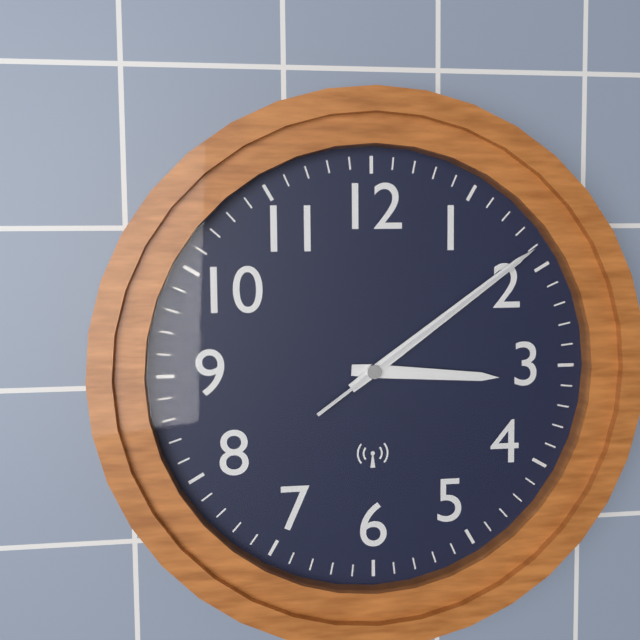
3:09:09
